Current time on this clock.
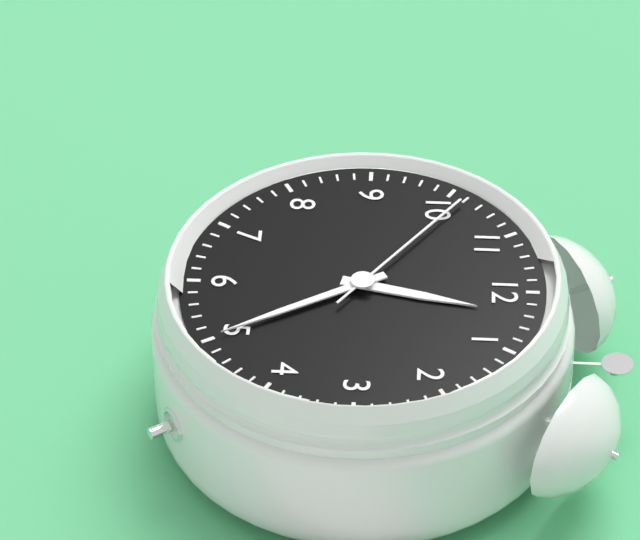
12:25:51
